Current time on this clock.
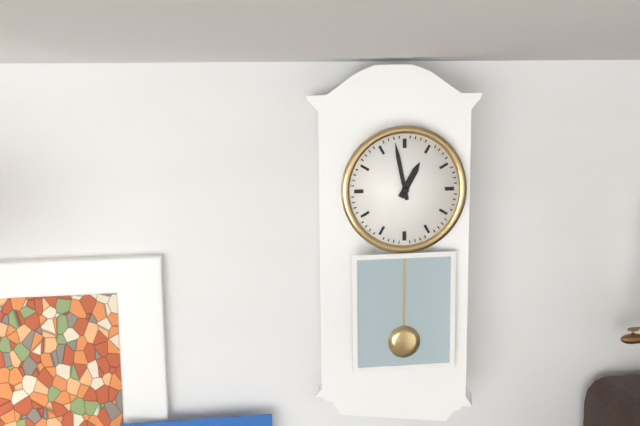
12:58
